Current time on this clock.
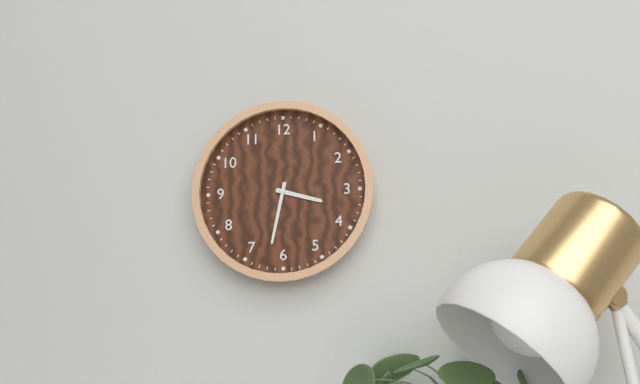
3:32
